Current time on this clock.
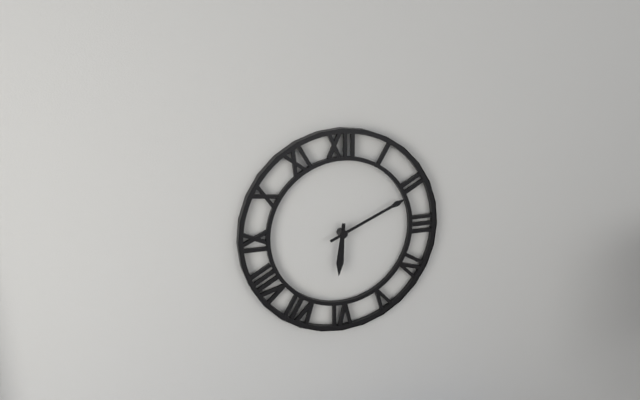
6:11
